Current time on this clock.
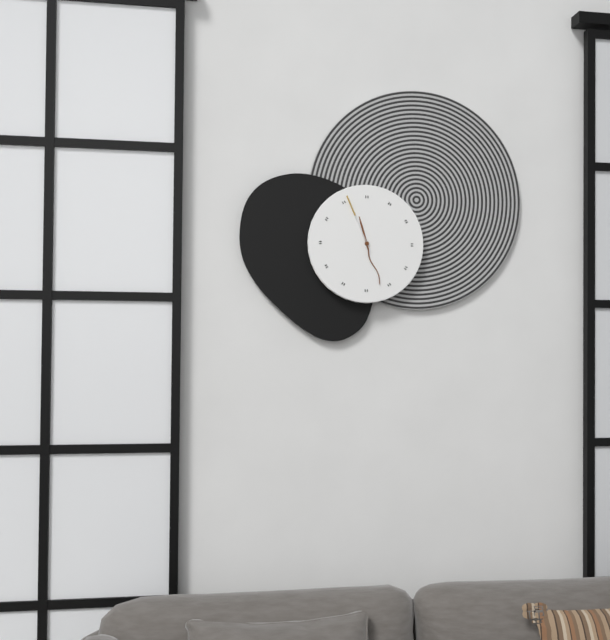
11:27:56
